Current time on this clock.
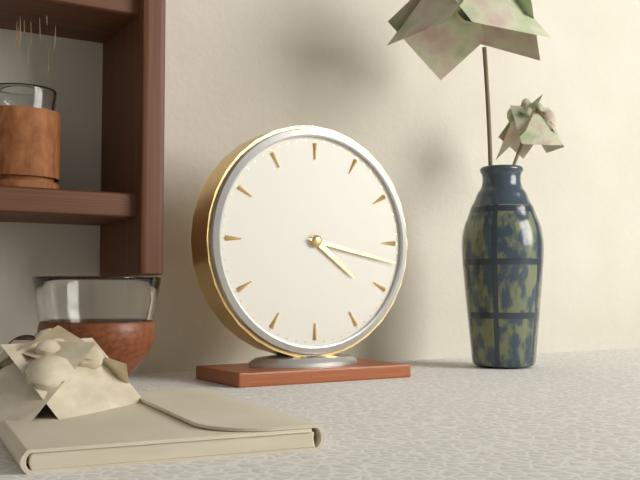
4:17
